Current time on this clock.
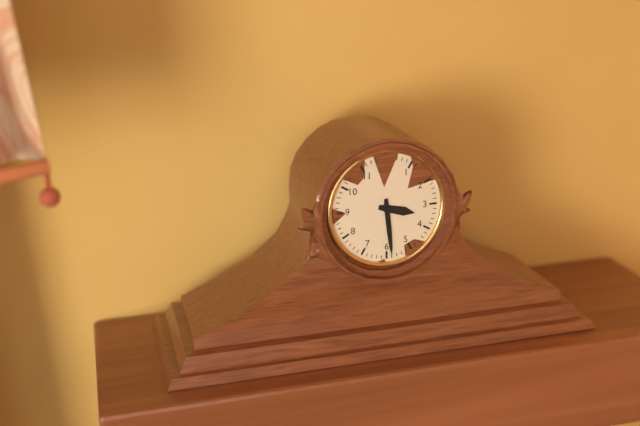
3:29
